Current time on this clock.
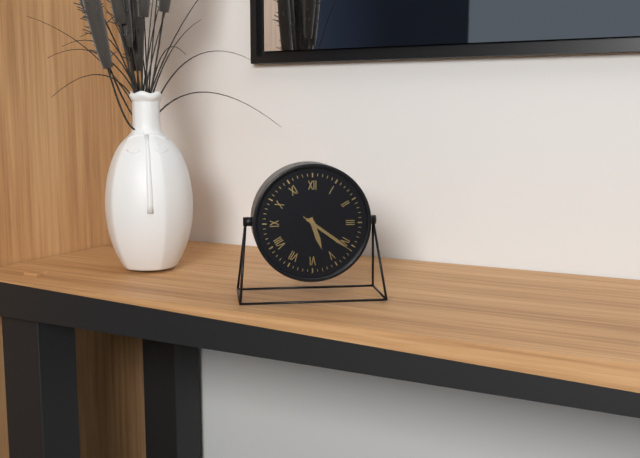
5:21:21
